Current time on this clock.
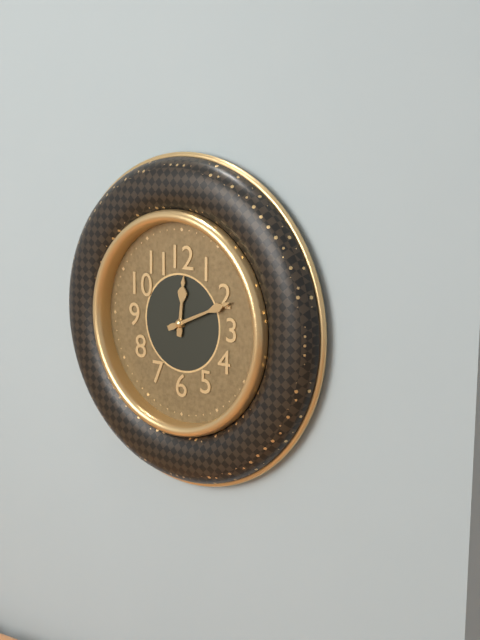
12:11
